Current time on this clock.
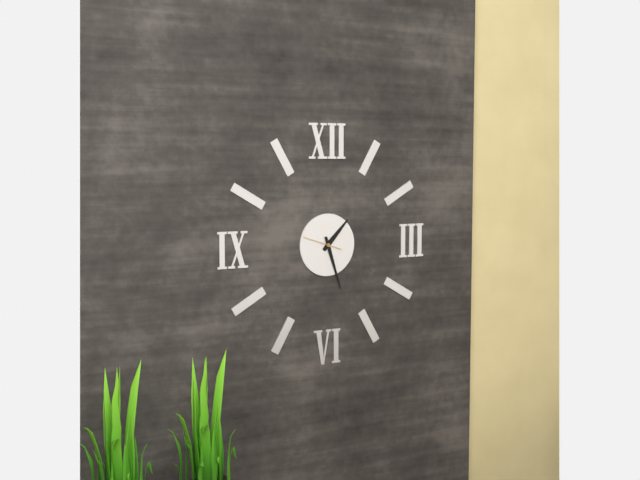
1:27
